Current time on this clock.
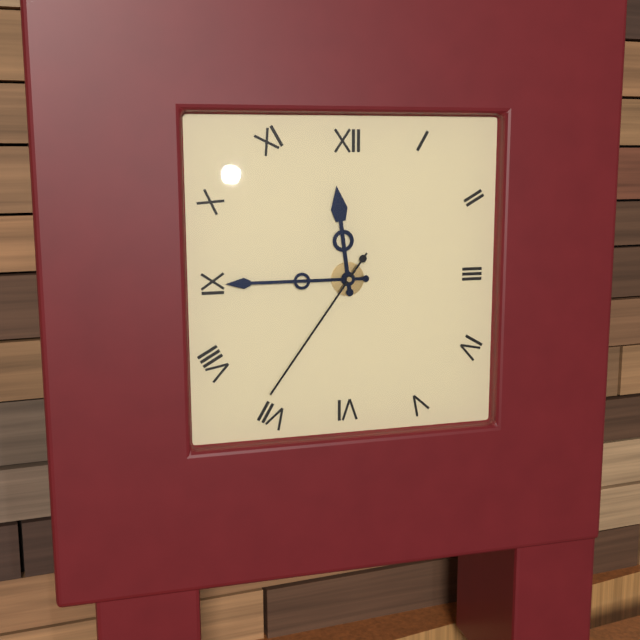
11:45:36
